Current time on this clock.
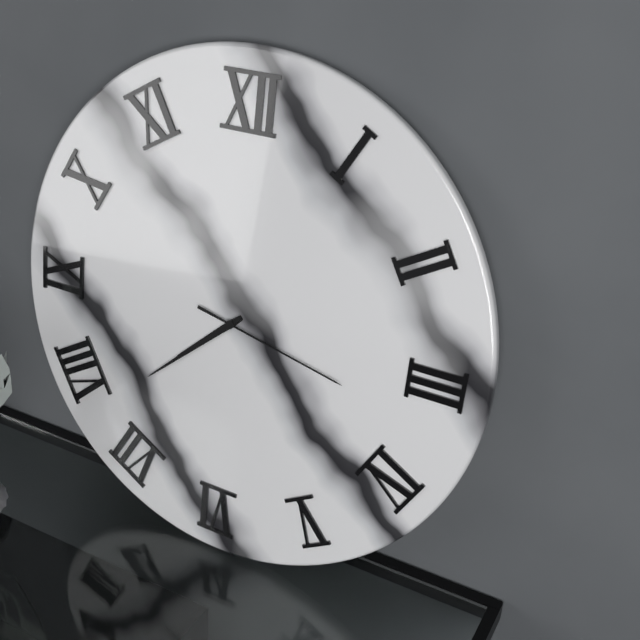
7:38:17
